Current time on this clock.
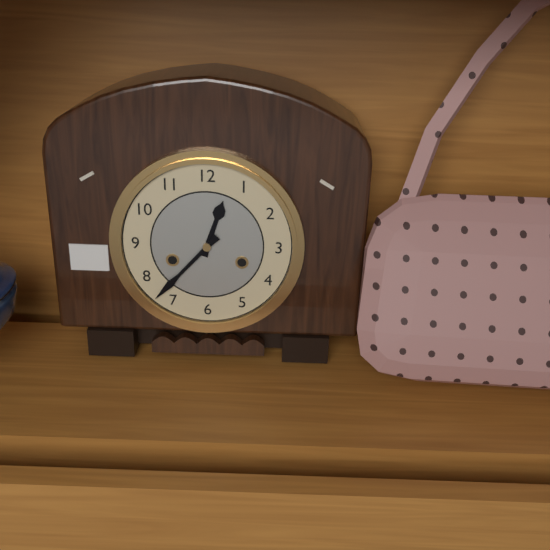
12:37
